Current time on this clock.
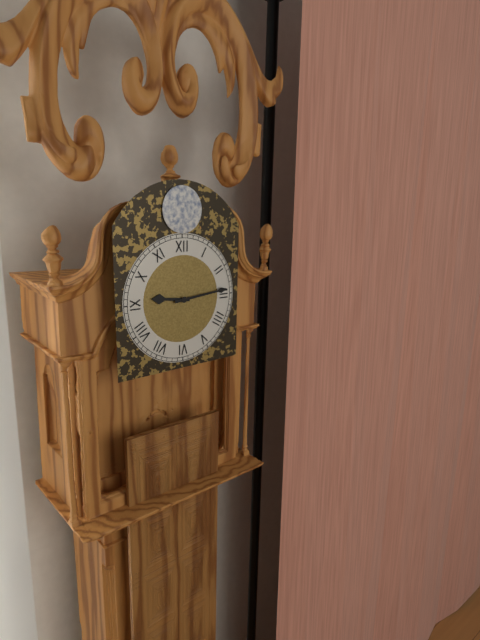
9:14
